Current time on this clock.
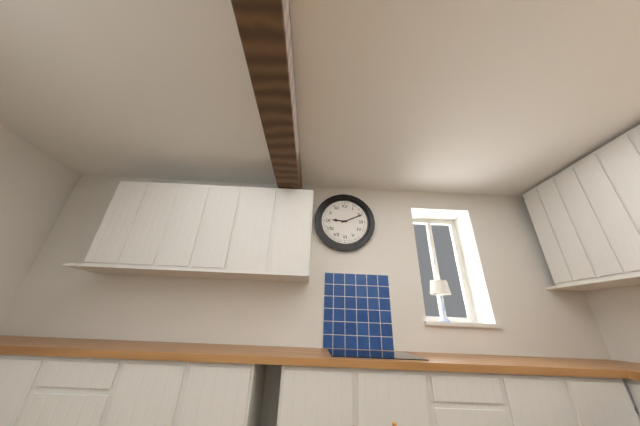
9:11
